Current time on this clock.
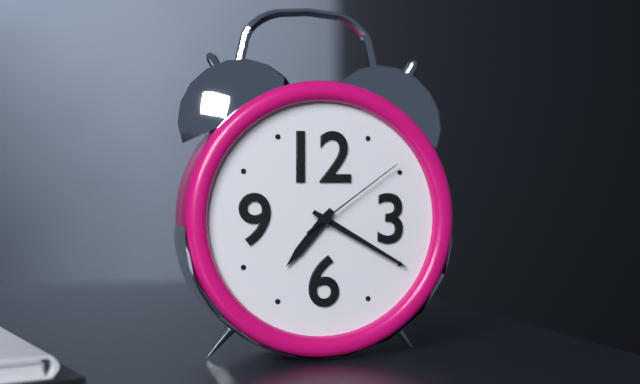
7:20:09
